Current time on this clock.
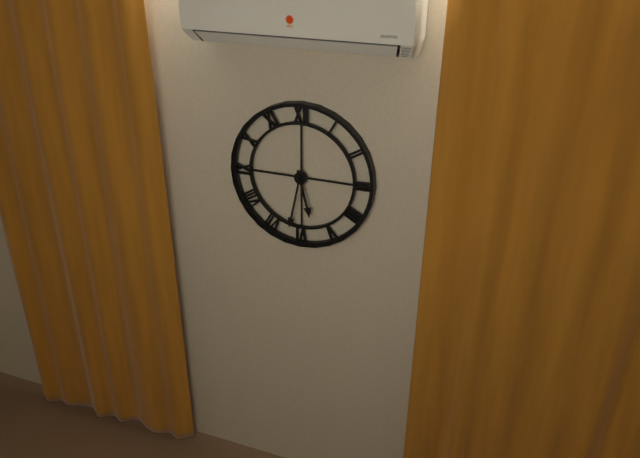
5:32
